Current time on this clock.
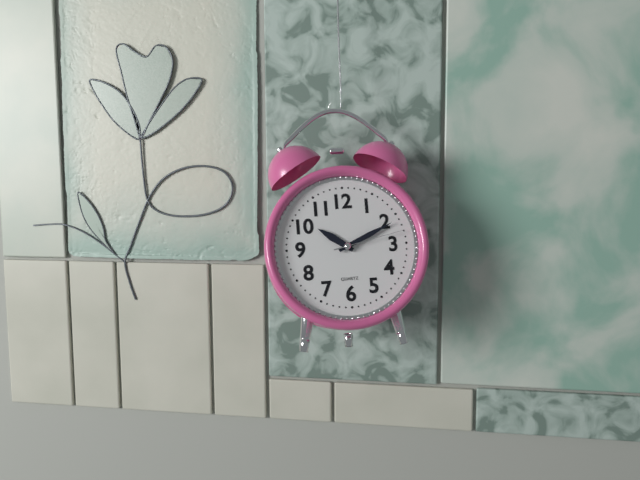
10:11:13
